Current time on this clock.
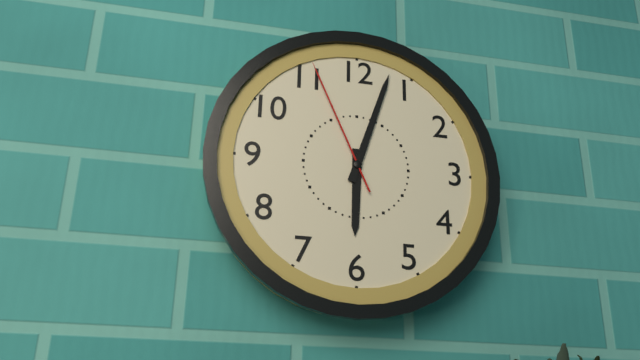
6:03:56
